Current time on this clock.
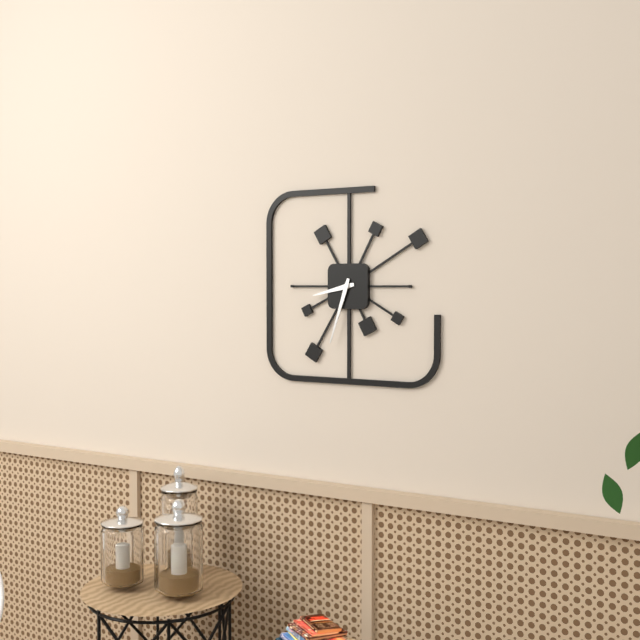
8:33
